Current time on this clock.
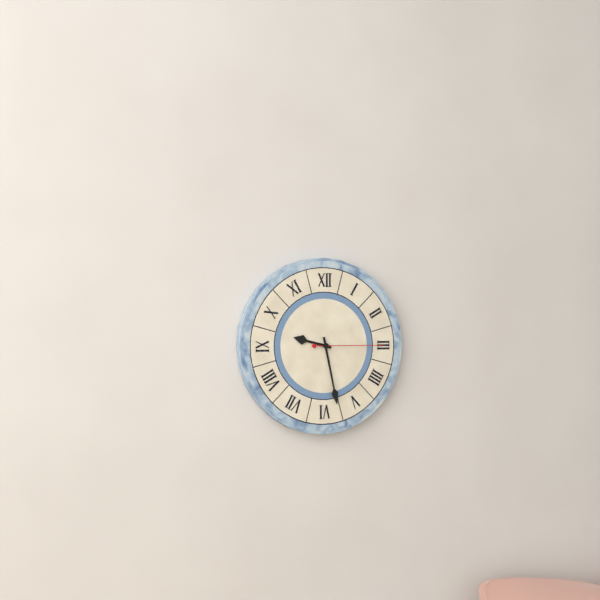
9:28:15
